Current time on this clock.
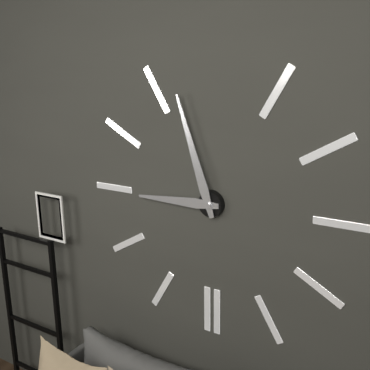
8:57
